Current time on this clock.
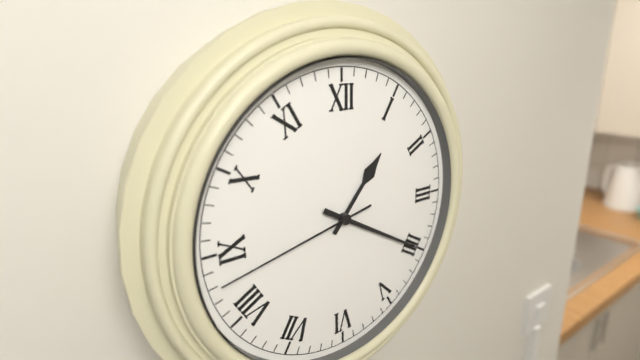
1:20:43
